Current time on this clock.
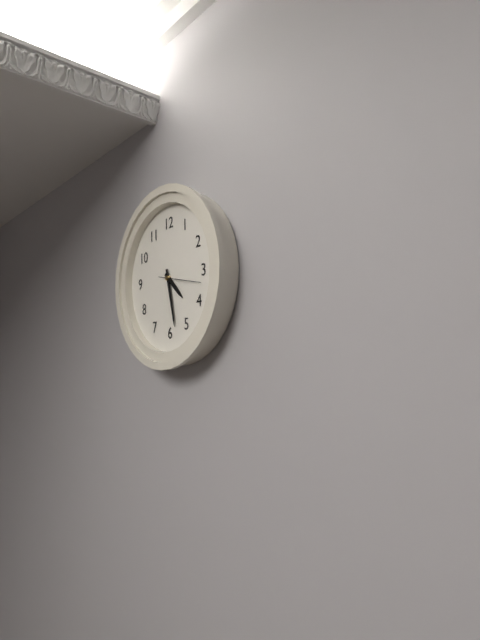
4:28
